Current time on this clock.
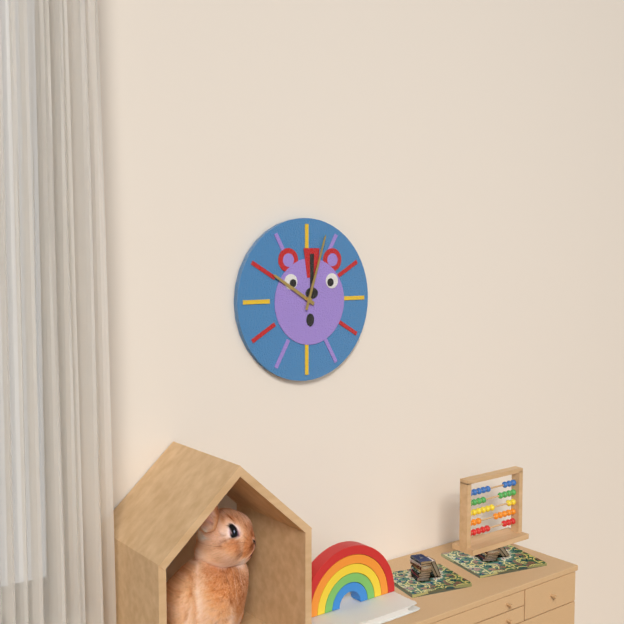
10:03
